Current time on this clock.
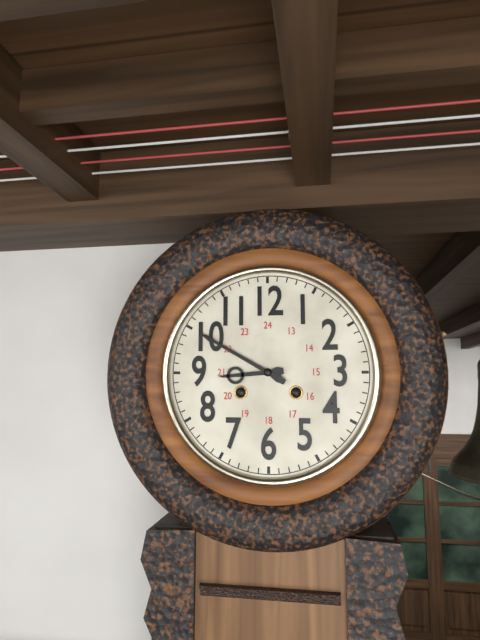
8:50
